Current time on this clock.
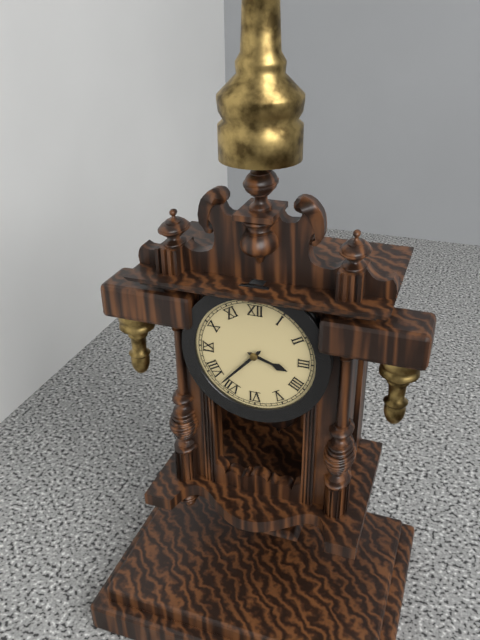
3:37
